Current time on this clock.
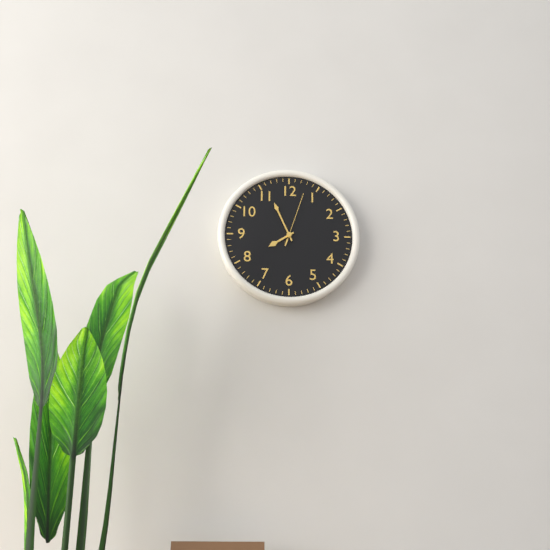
7:56:03
